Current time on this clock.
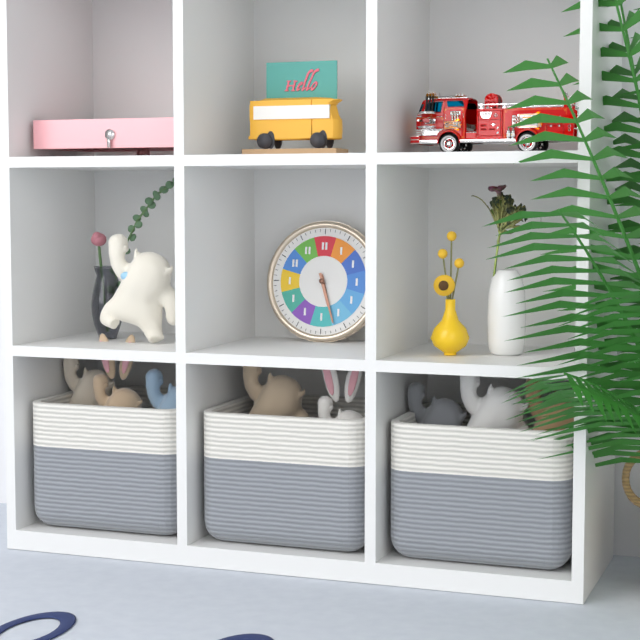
5:27
